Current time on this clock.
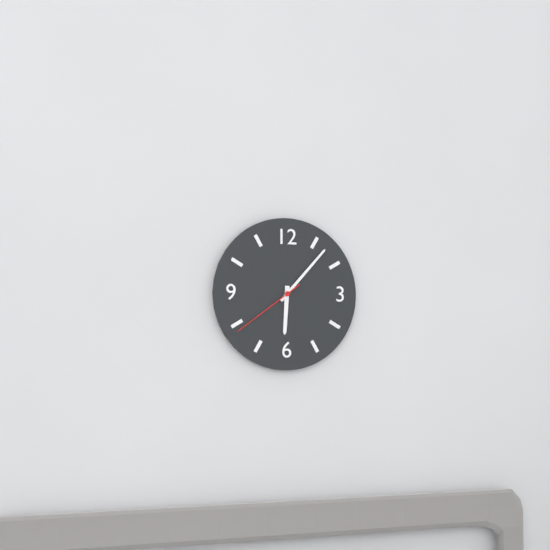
6:07:39
